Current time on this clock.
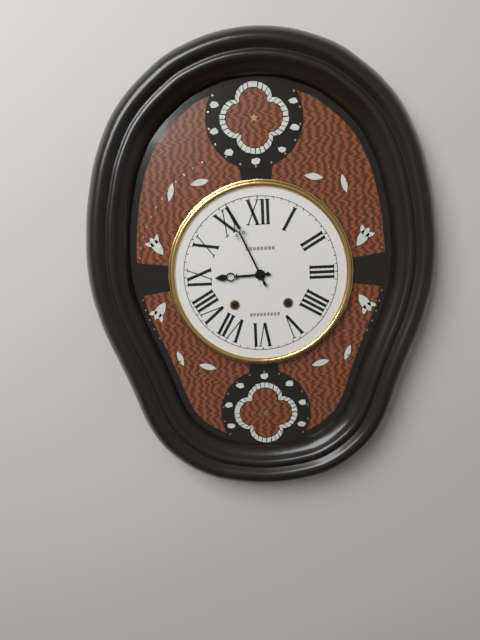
8:56
